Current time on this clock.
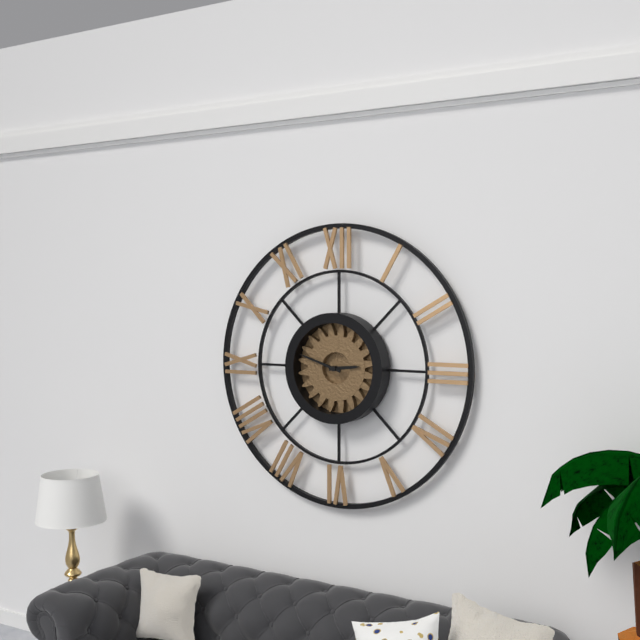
2:48
